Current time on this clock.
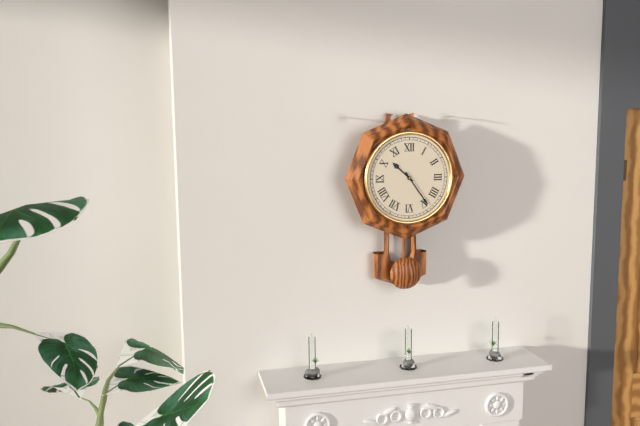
10:24
